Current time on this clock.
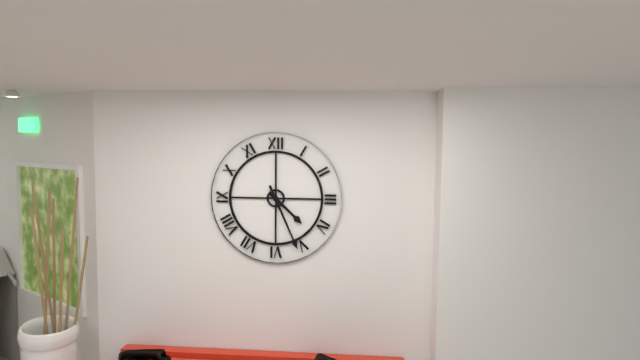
4:26
